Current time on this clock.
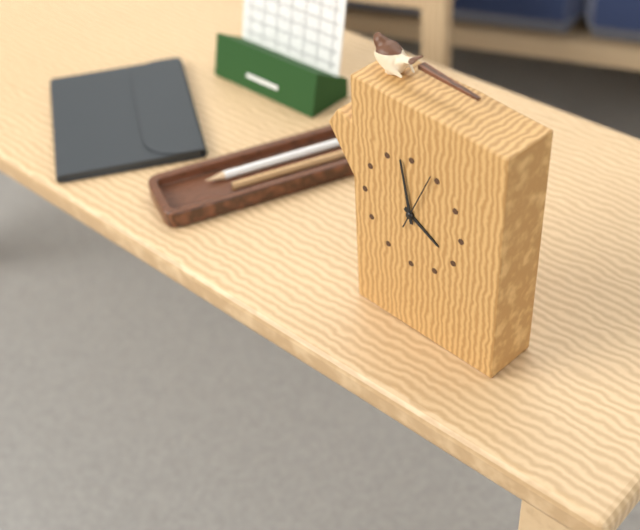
3:58:04
